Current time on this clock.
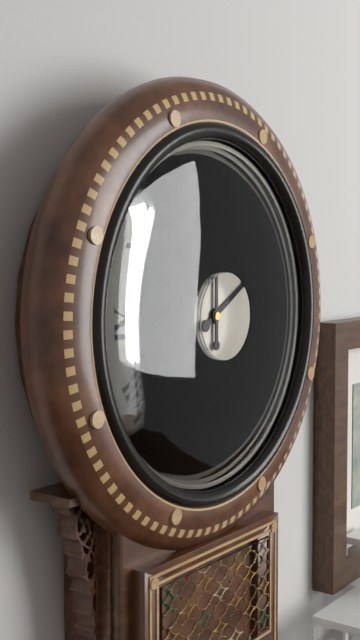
2:00
